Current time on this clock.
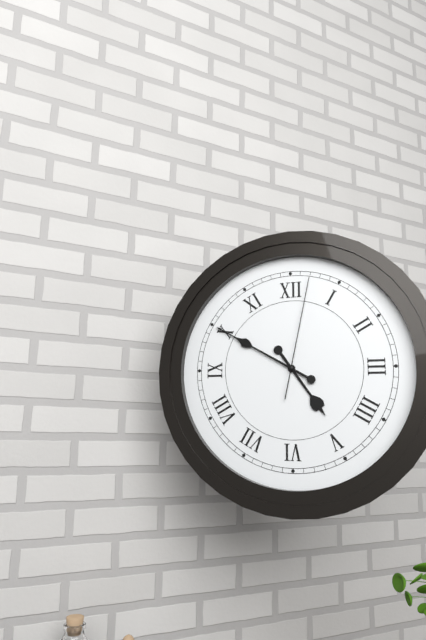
4:50:02
